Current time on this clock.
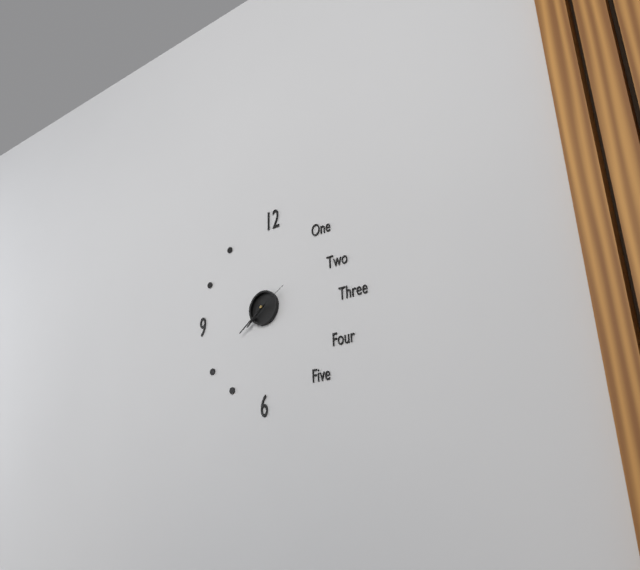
7:39
